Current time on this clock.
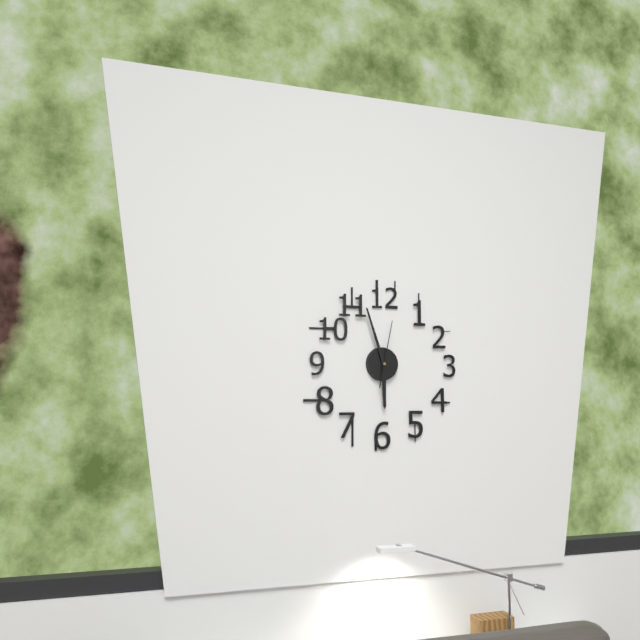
5:57:02
